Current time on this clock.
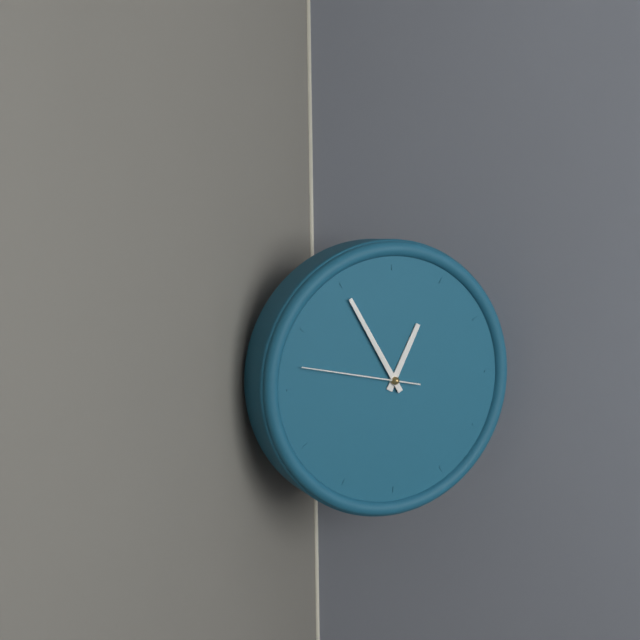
12:55:47
